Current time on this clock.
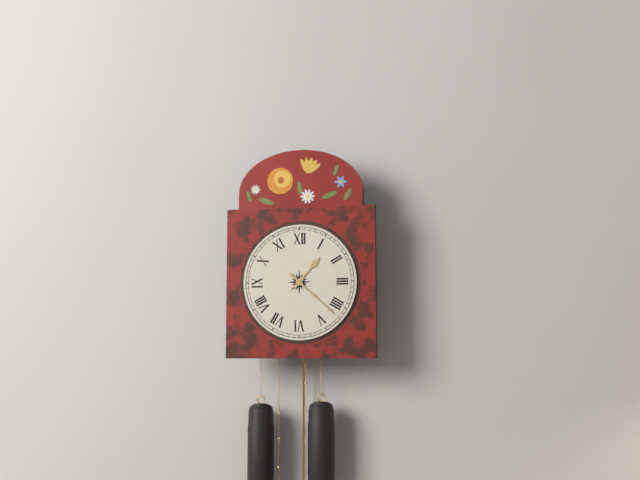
1:22
